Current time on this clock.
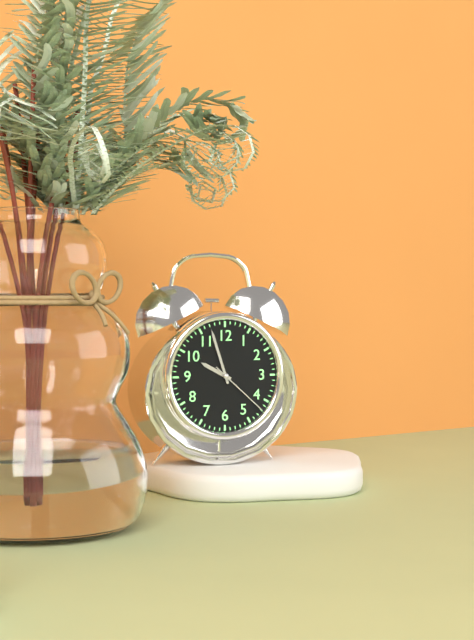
9:57:22
